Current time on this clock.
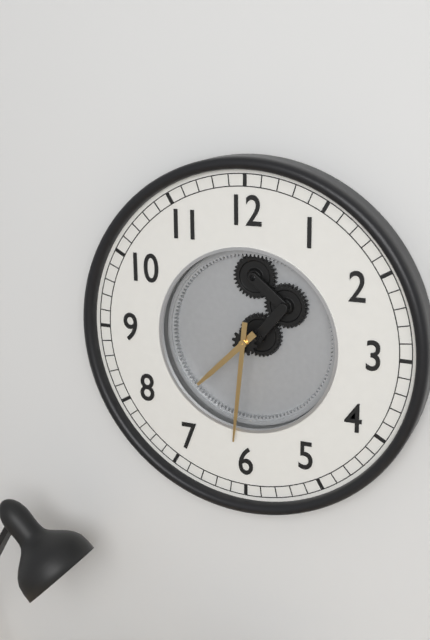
7:31
